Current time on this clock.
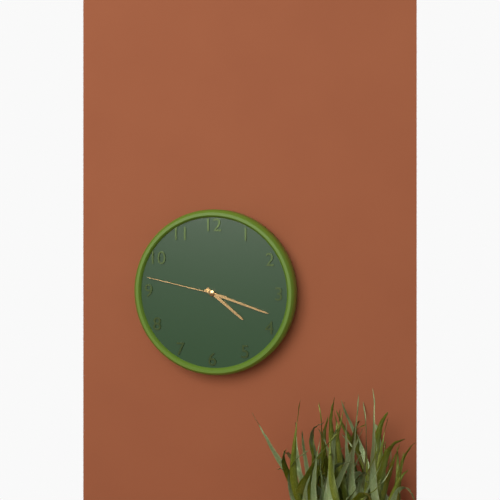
4:18:47
